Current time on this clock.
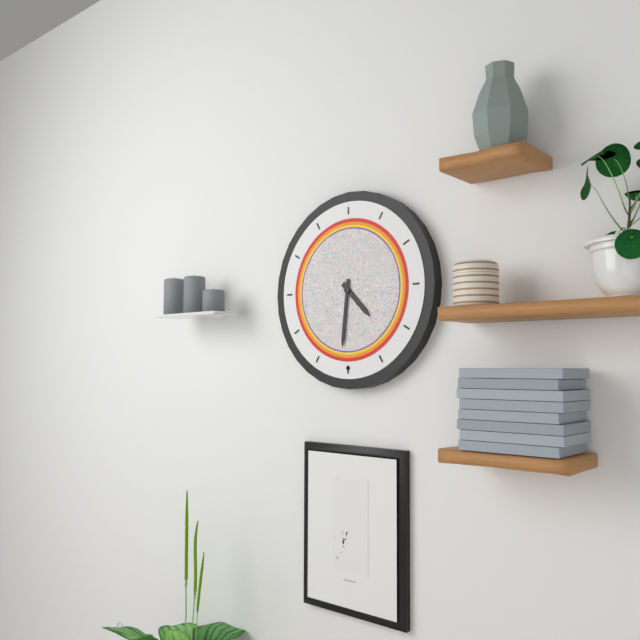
4:31
